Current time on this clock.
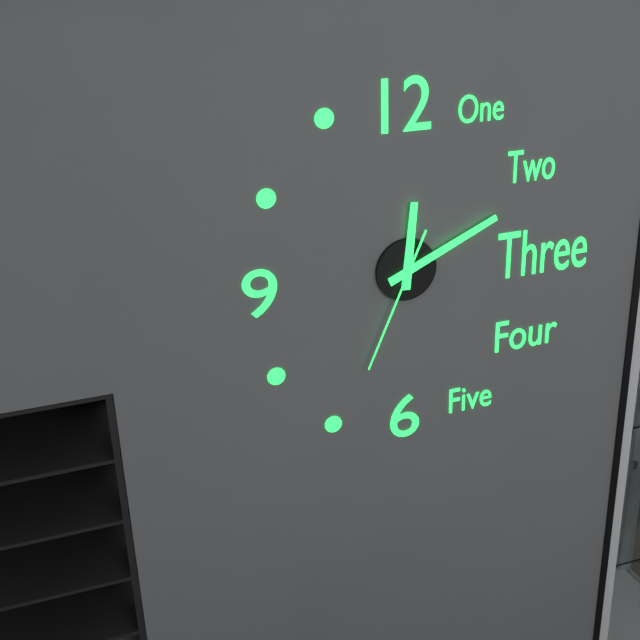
12:11:34
